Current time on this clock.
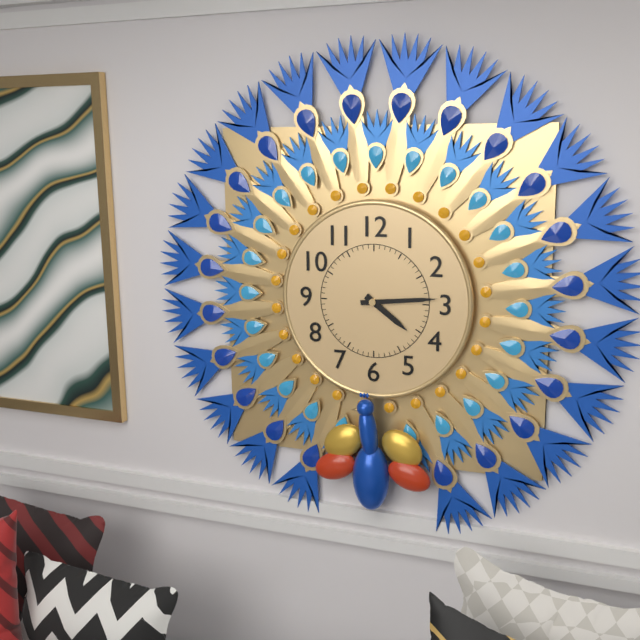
4:14
